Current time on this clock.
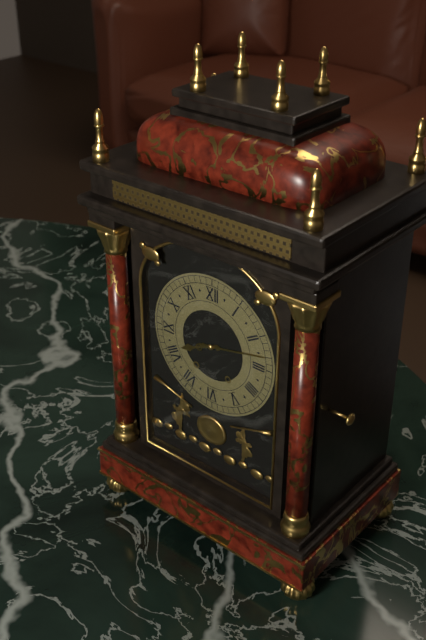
8:13
